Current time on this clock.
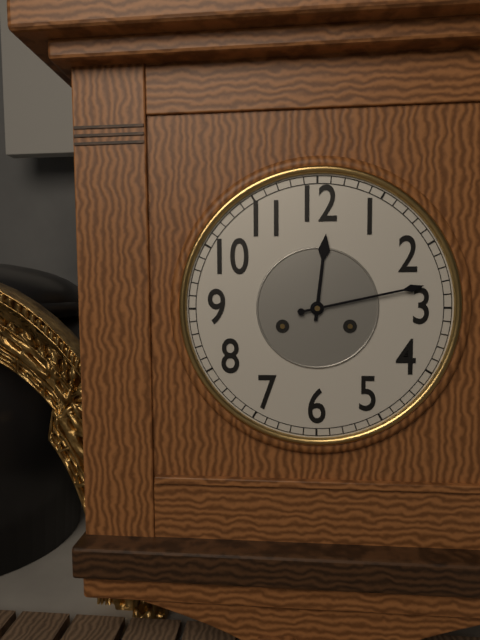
12:13
